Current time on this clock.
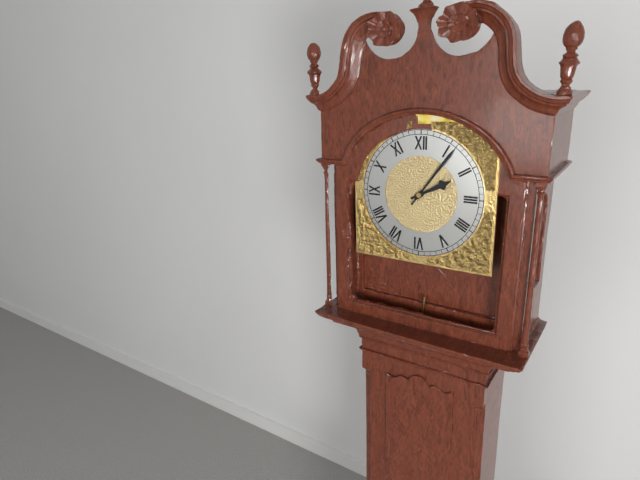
2:06
